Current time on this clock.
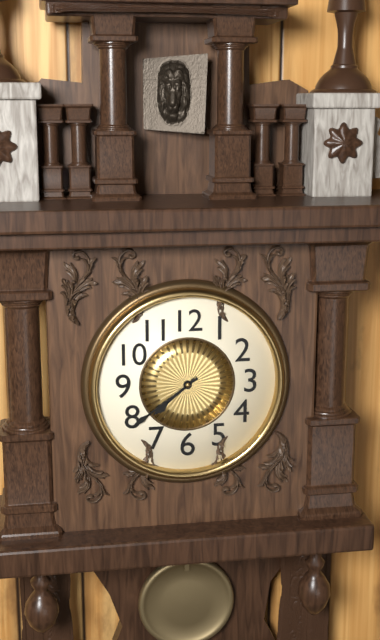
7:39
